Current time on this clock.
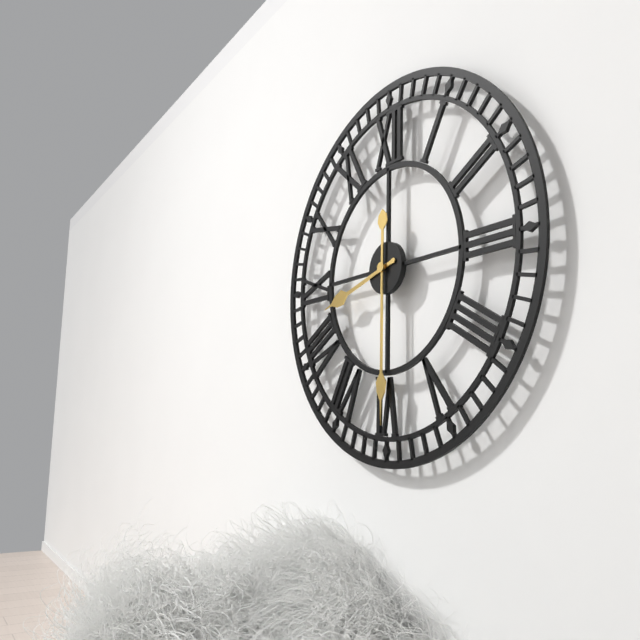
8:30
